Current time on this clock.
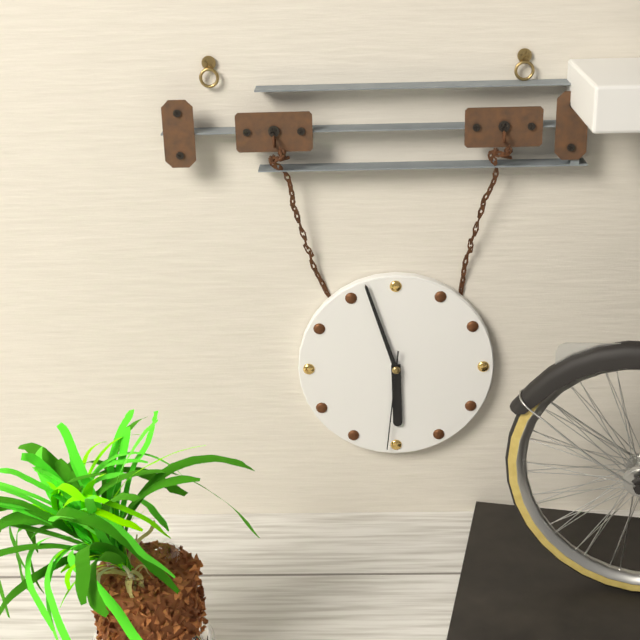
5:57:31
